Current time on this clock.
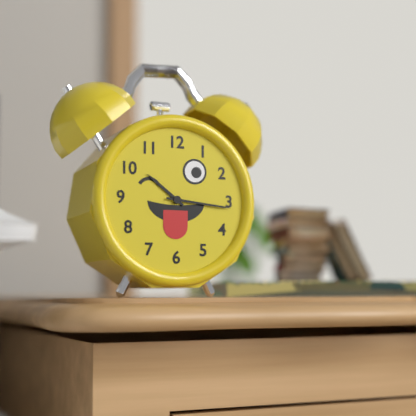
10:16
